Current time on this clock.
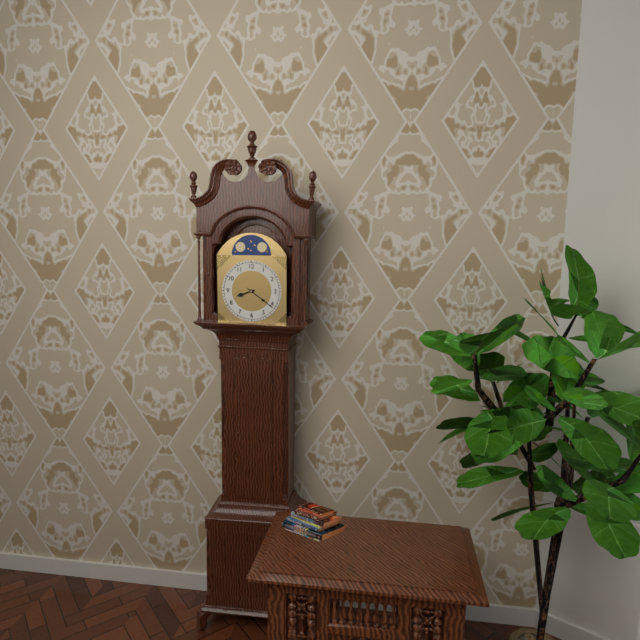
8:21
